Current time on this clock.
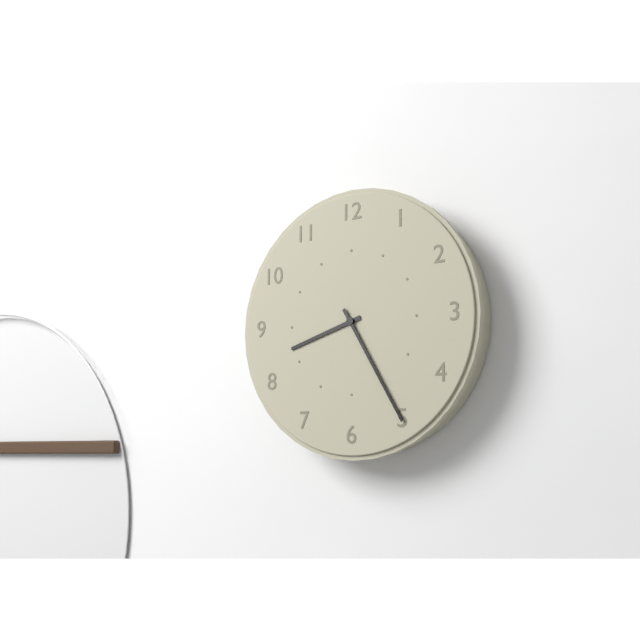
8:25
